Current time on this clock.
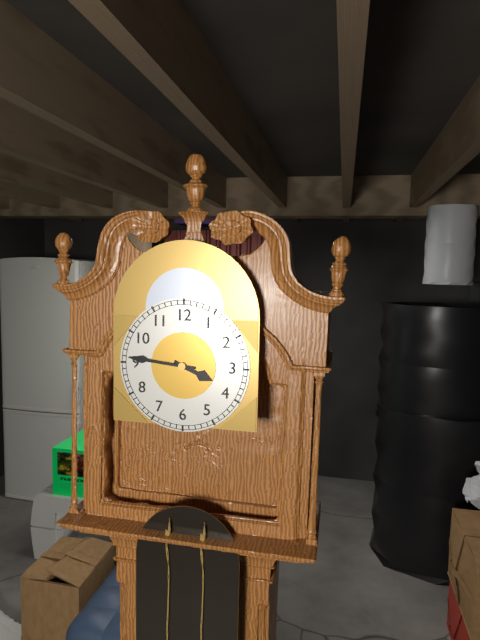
3:46
